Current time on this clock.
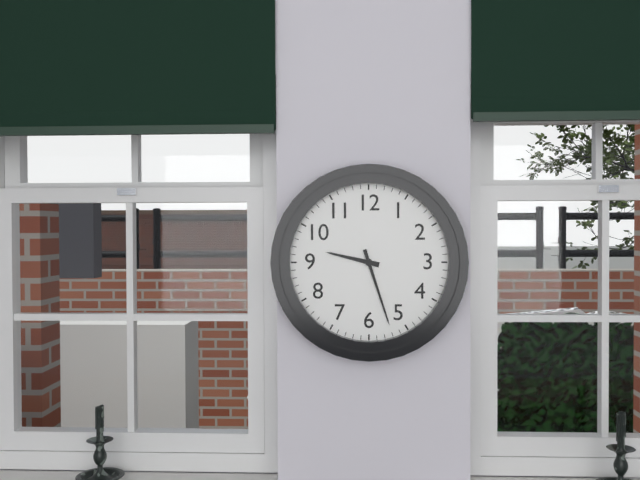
9:27
